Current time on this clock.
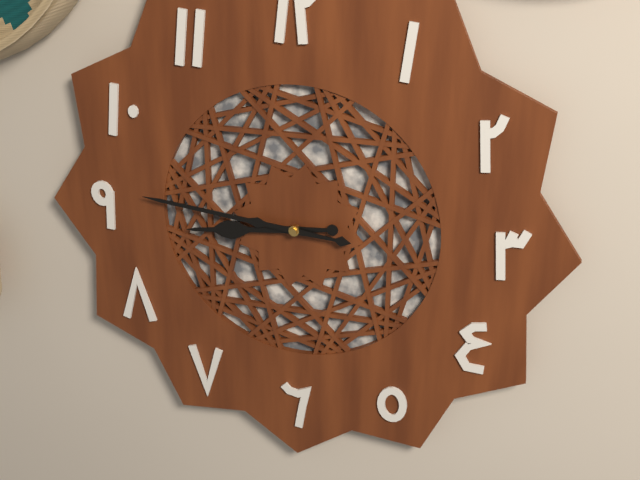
8:46
